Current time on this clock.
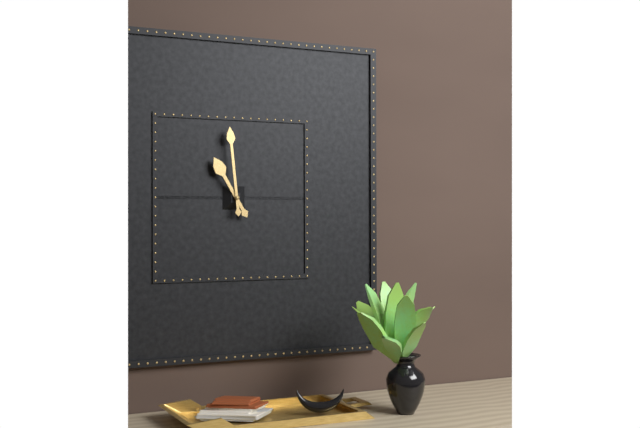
10:59
